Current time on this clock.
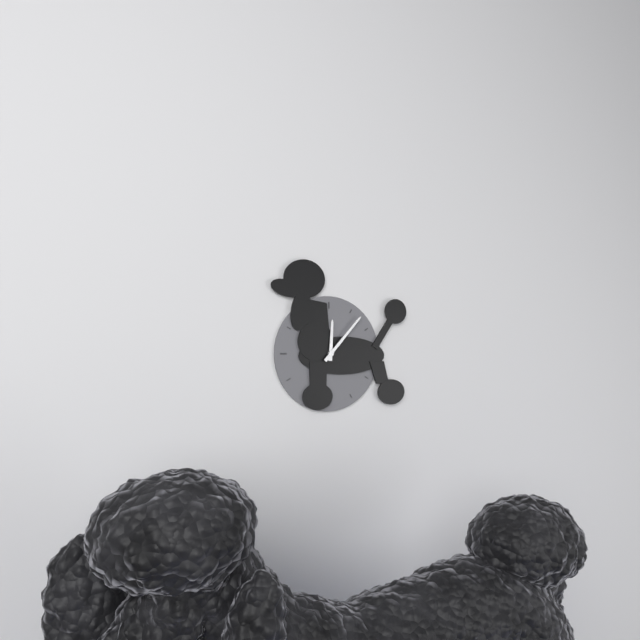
12:07
